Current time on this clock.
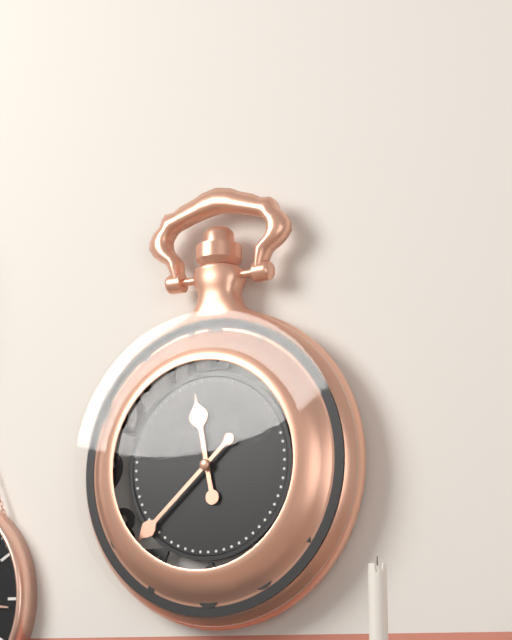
11:38
